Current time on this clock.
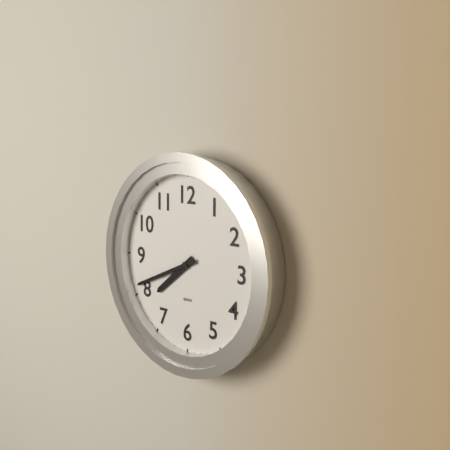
7:41
